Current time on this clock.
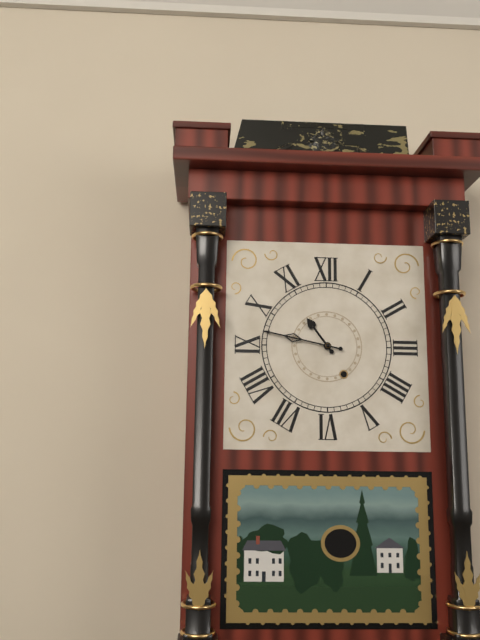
10:47
